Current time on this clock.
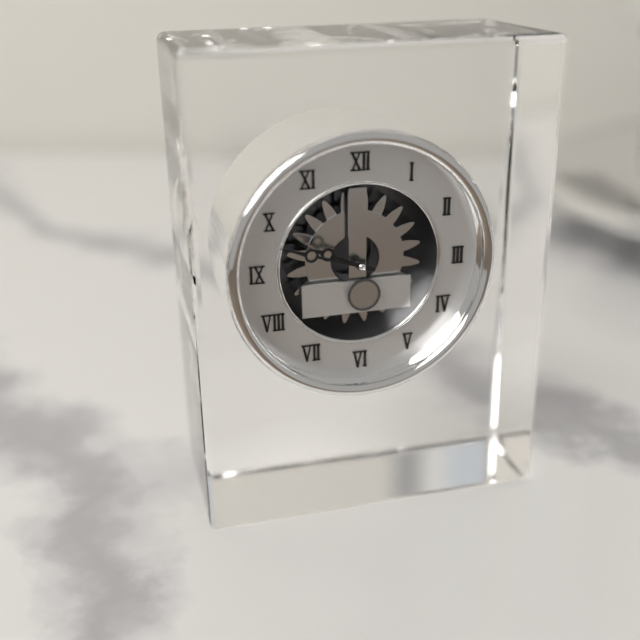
9:48
